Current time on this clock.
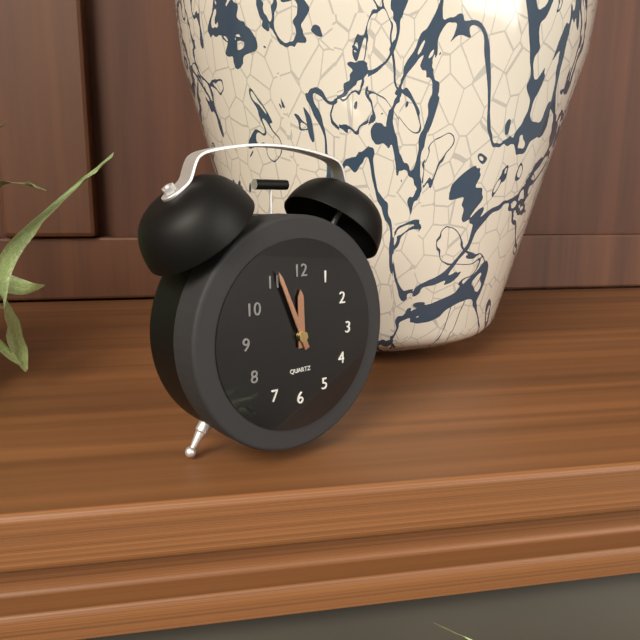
11:56
